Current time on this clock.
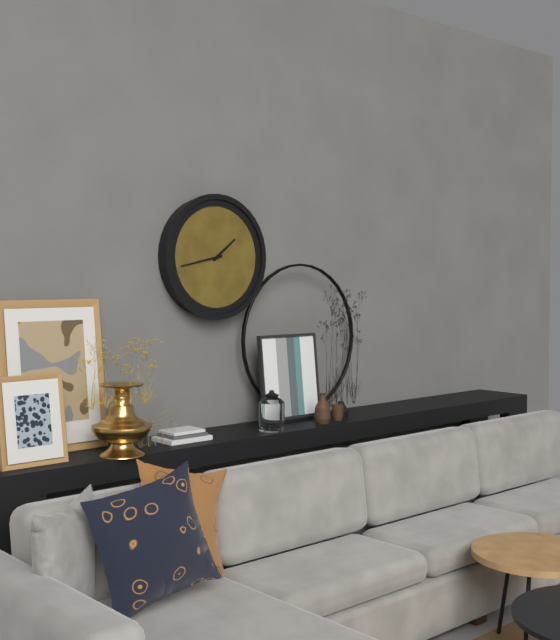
1:43
